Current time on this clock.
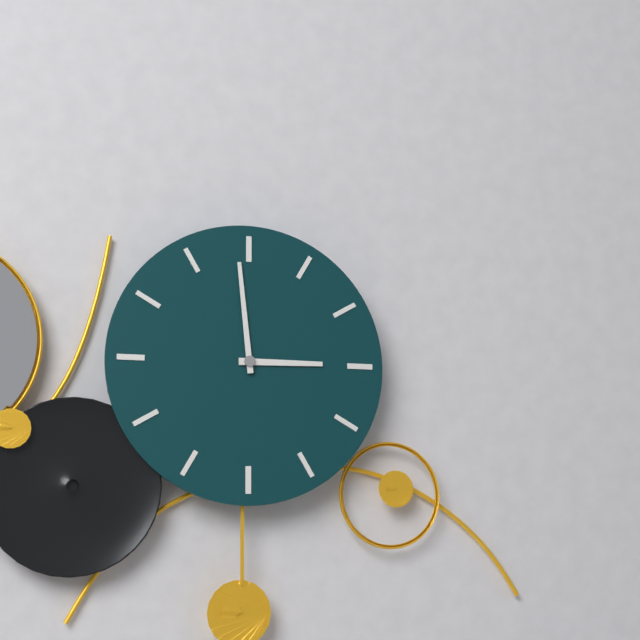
2:59
